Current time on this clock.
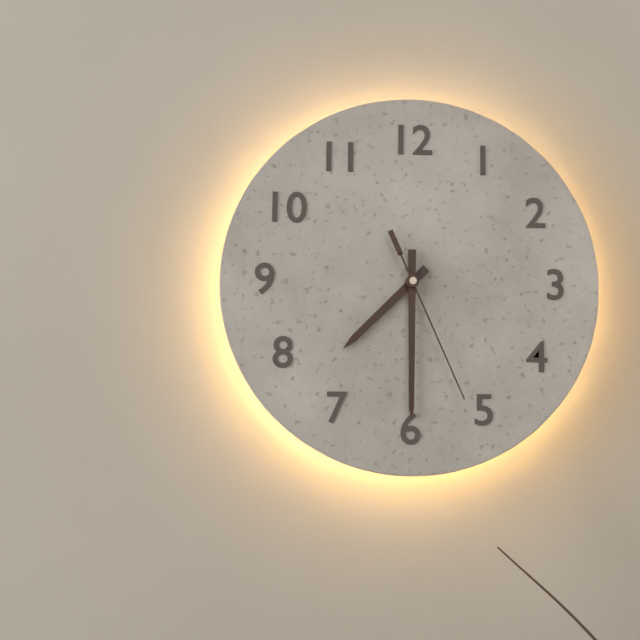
7:30:26
